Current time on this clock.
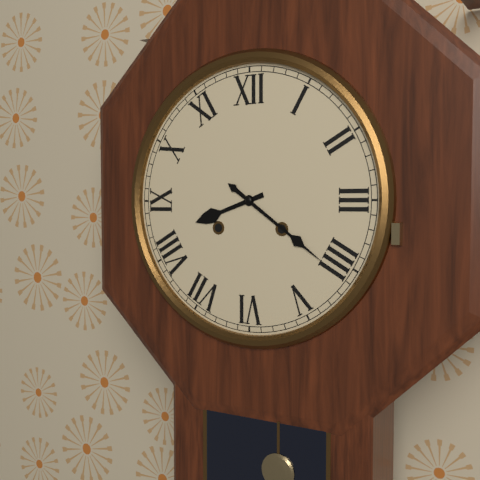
8:21
